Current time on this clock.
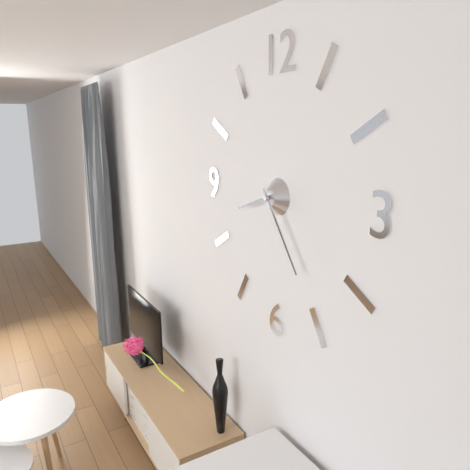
8:24
